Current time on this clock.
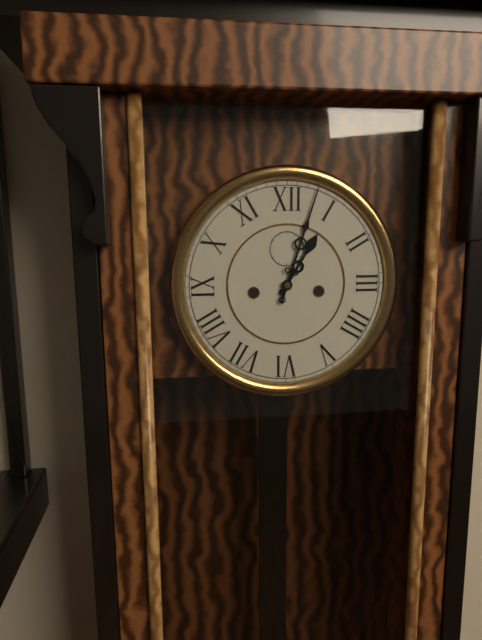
1:03
